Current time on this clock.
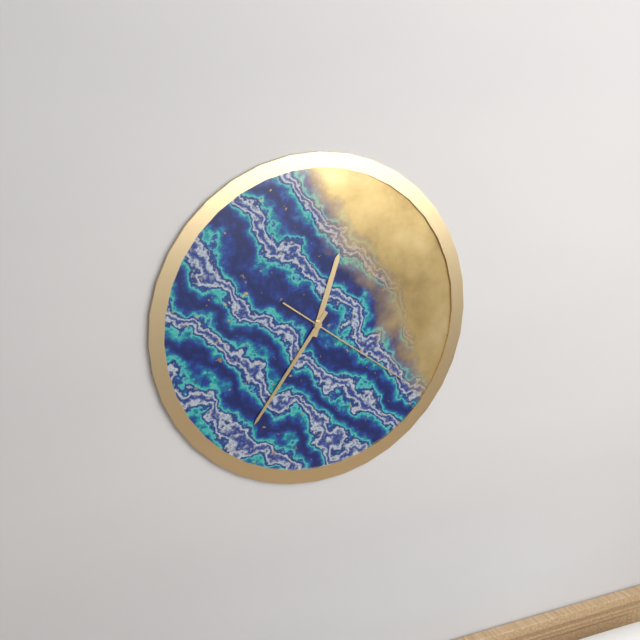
12:36:21
